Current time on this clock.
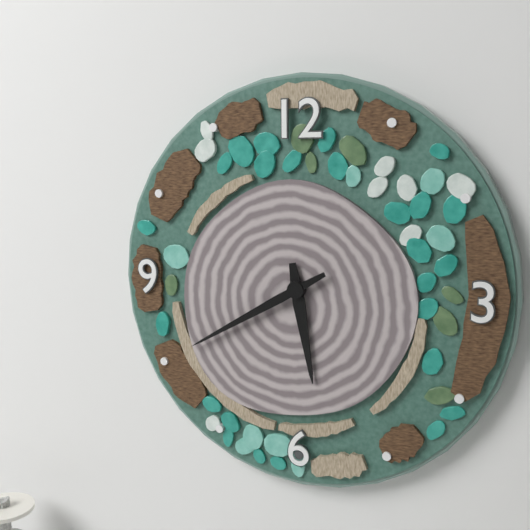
5:40
